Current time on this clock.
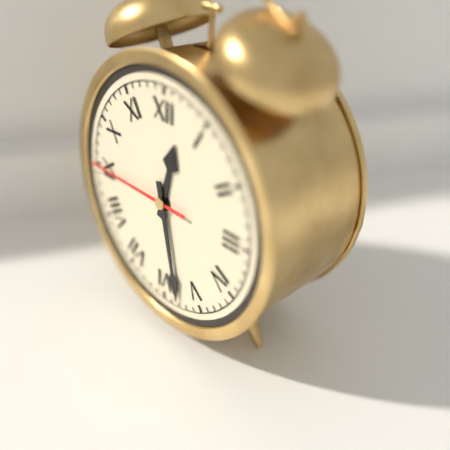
12:28:45
